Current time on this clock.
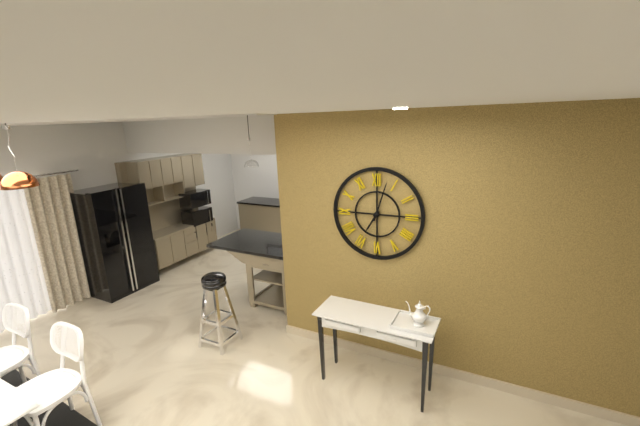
7:03
